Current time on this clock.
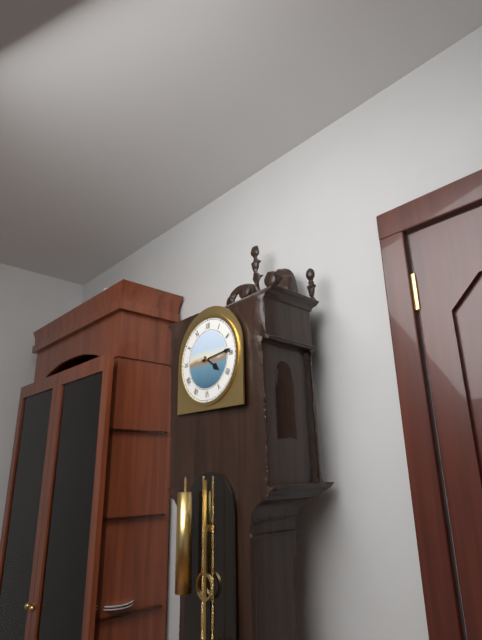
4:14
